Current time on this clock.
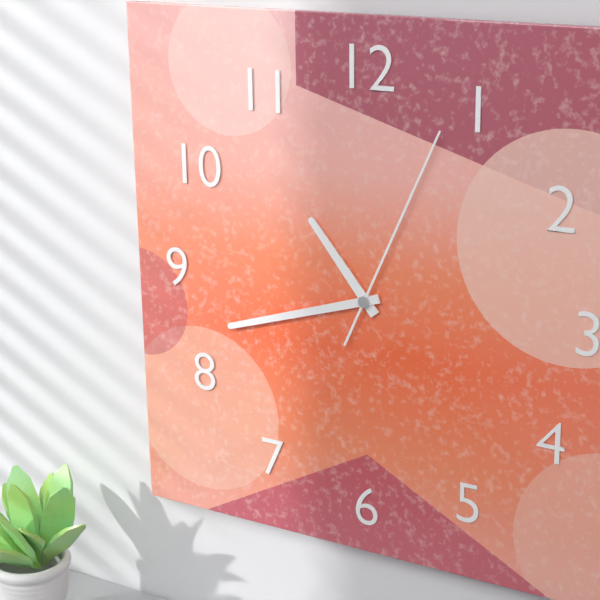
10:42:04
